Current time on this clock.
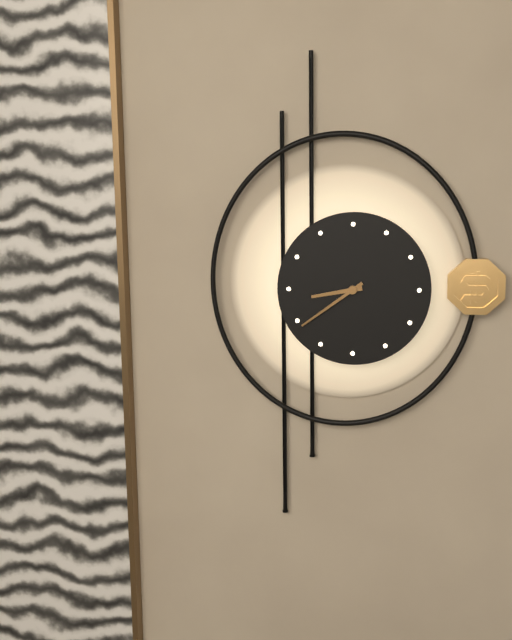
8:39
